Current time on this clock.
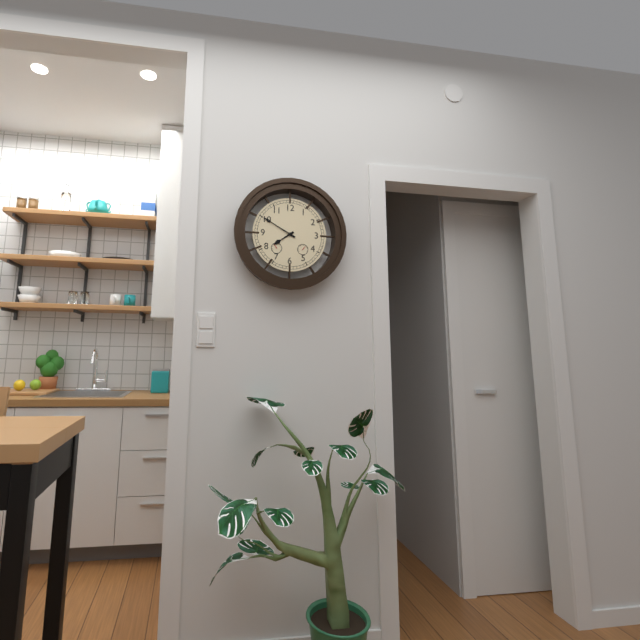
7:50
